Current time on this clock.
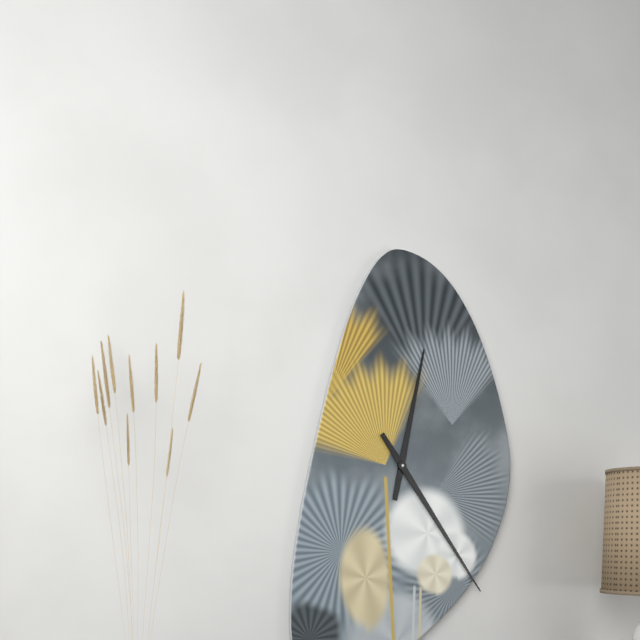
12:24
